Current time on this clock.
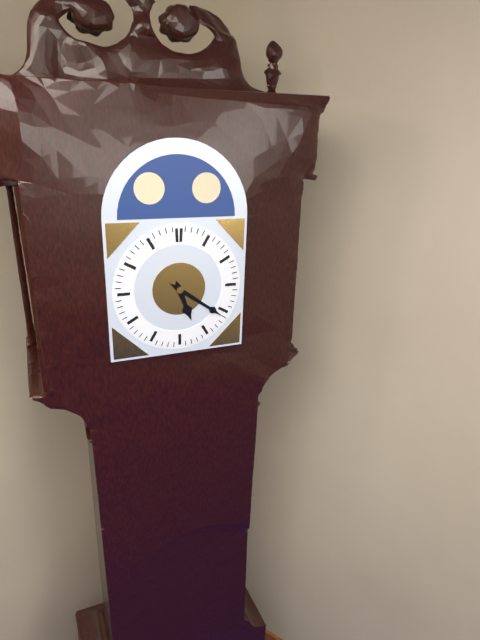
5:21
